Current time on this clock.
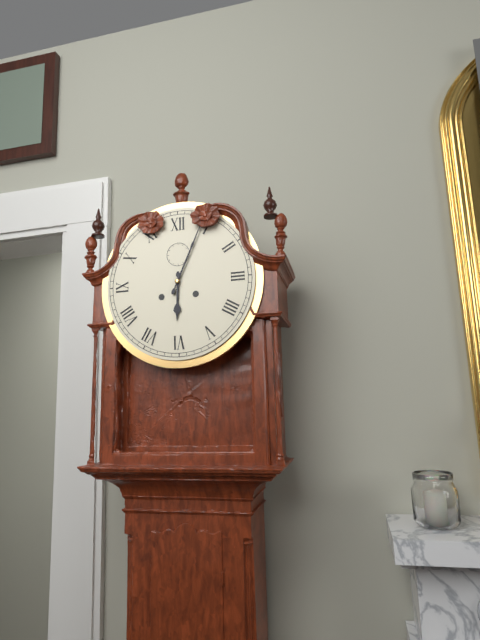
6:04
